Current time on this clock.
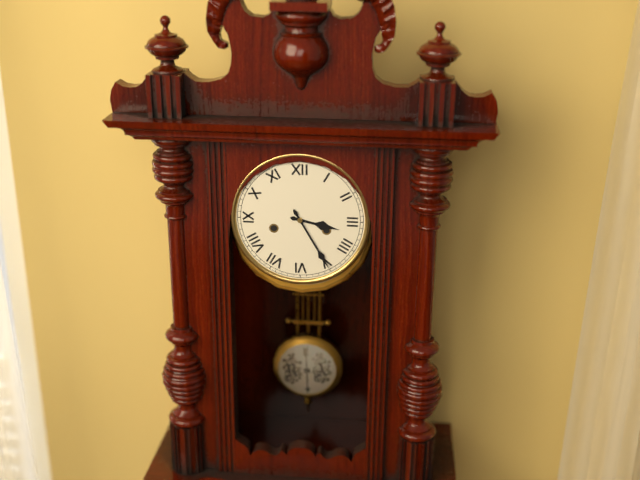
3:25
